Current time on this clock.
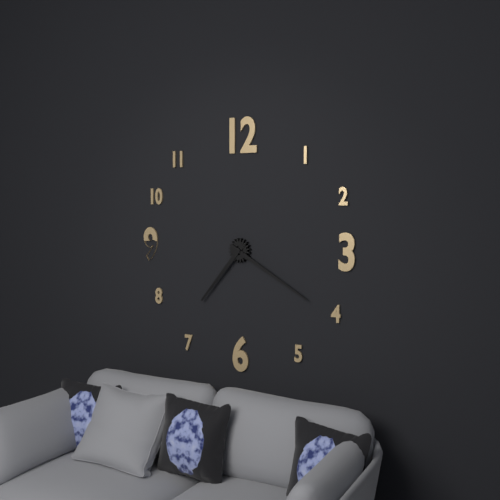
7:20
